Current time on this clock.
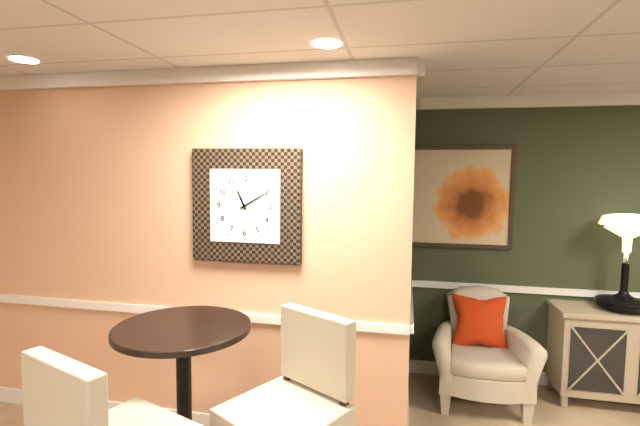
11:10
